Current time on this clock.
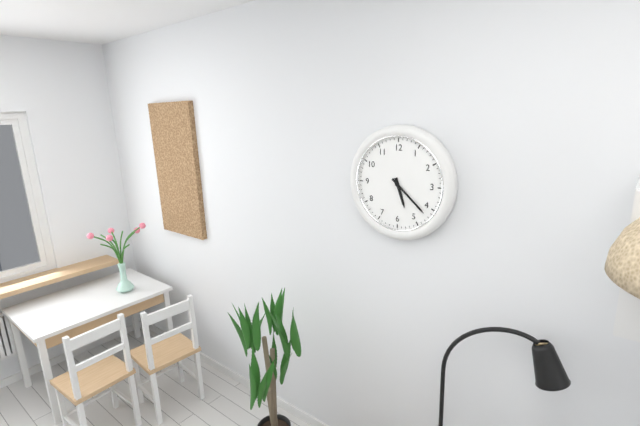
5:22
